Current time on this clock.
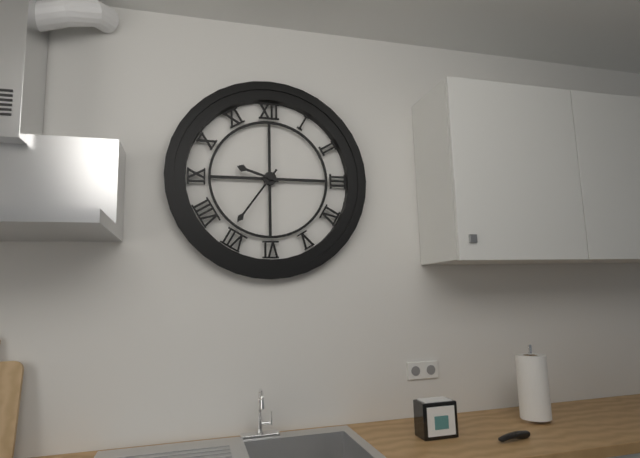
9:36
